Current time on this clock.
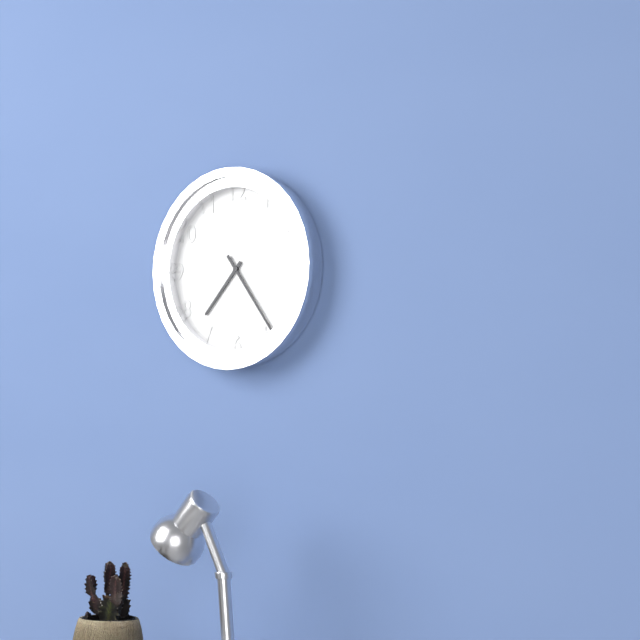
7:24
